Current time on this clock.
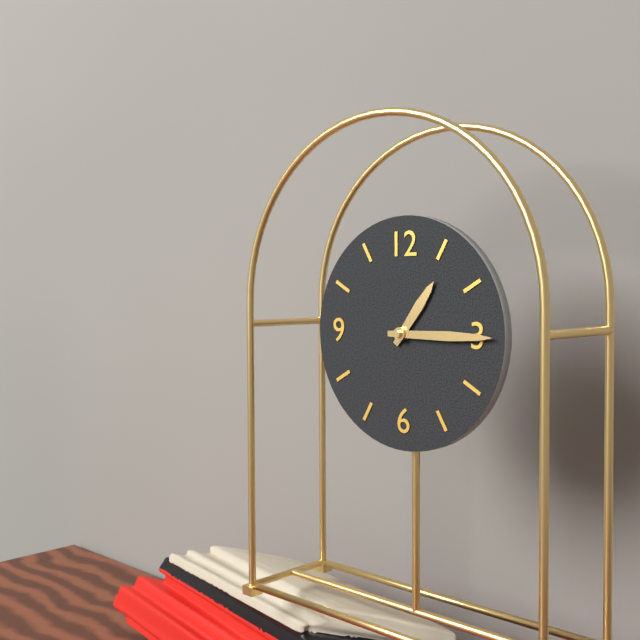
1:15
